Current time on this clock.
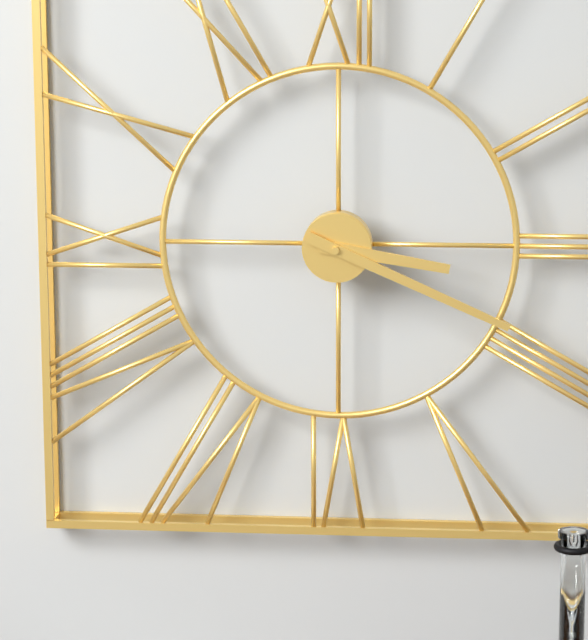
3:19
